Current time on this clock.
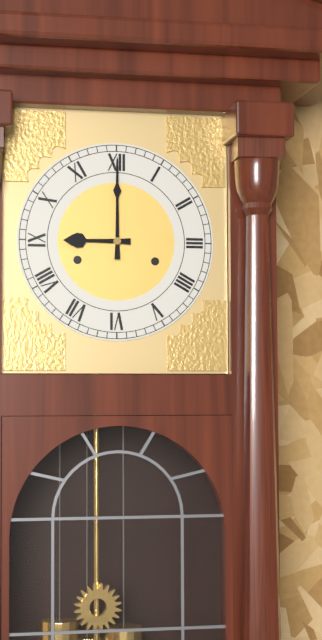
9:00
